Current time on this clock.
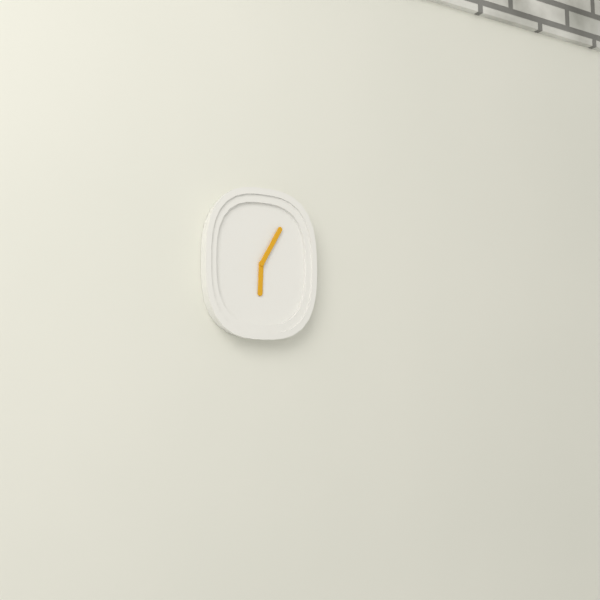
6:05
